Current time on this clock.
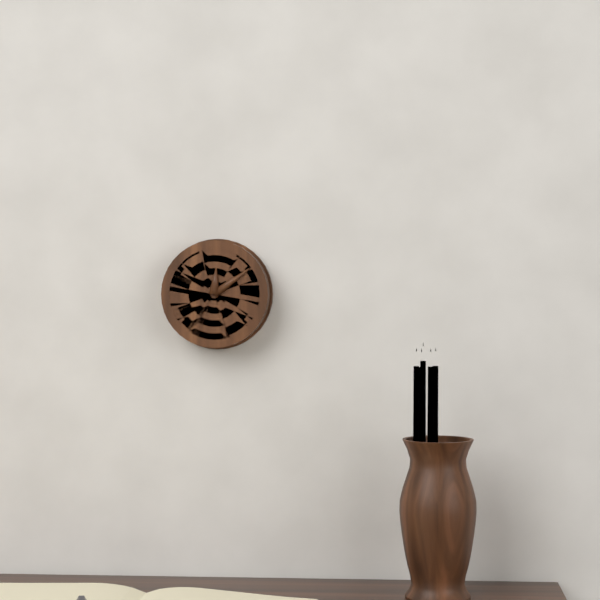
12:09
